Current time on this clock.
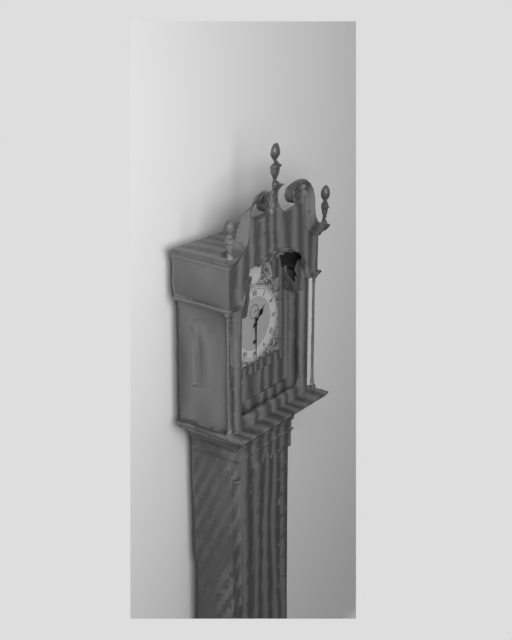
1:30
